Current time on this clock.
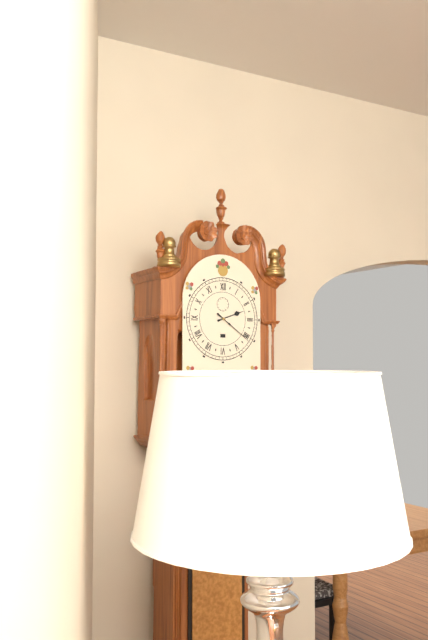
2:21
